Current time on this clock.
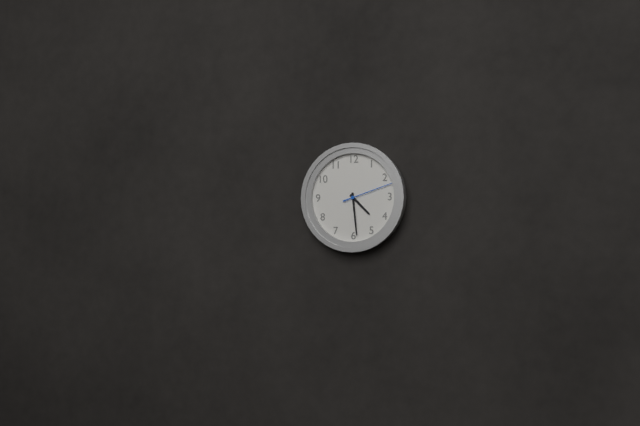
4:29:12
